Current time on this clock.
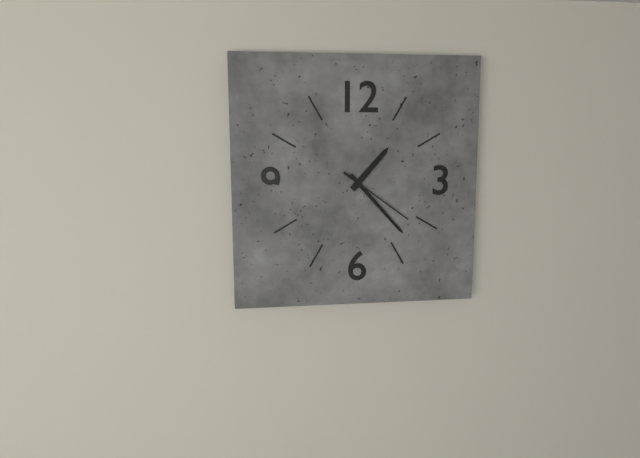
1:23:21
